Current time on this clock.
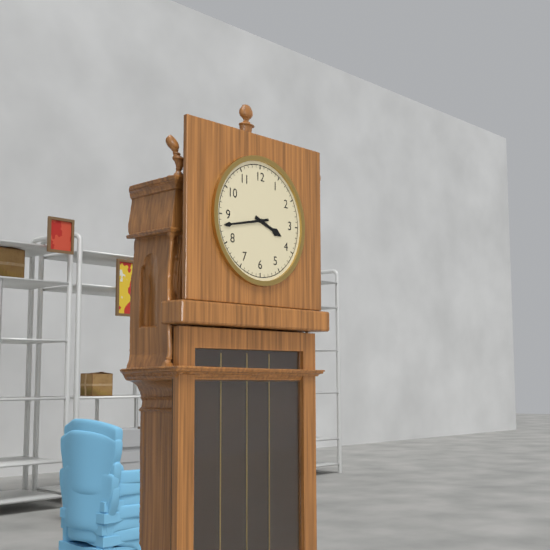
3:43
